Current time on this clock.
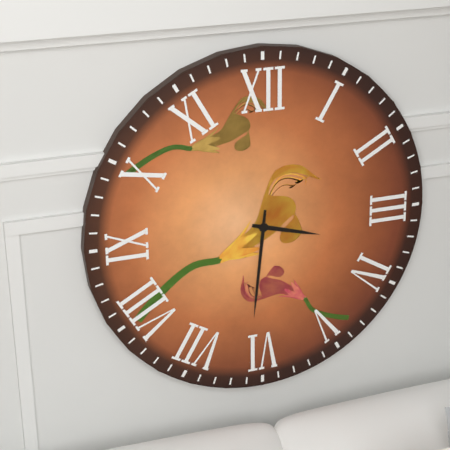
3:31
